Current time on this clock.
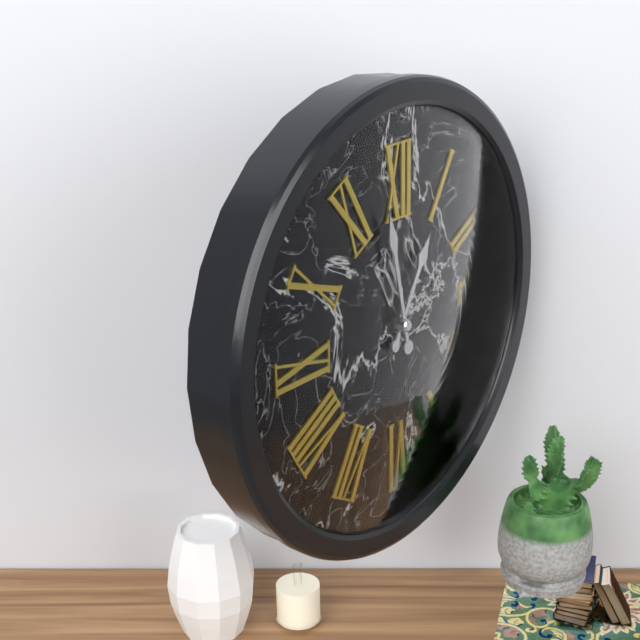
12:58
